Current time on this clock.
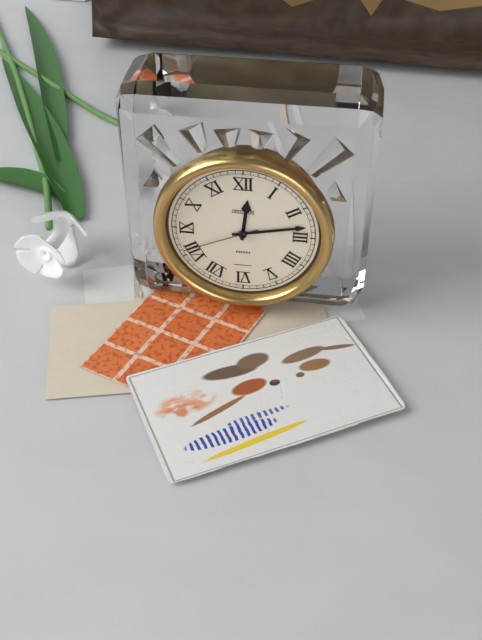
12:13:41
